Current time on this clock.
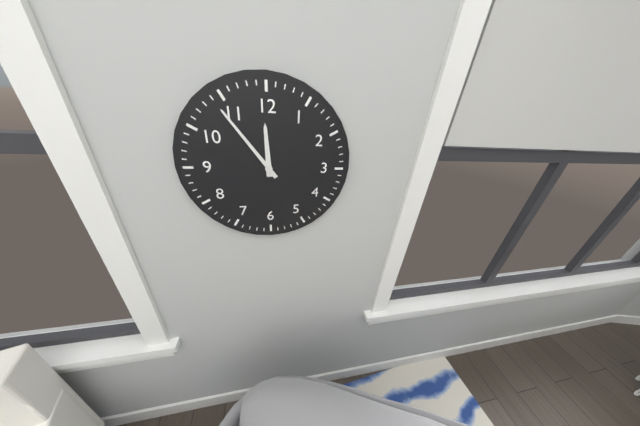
11:54
